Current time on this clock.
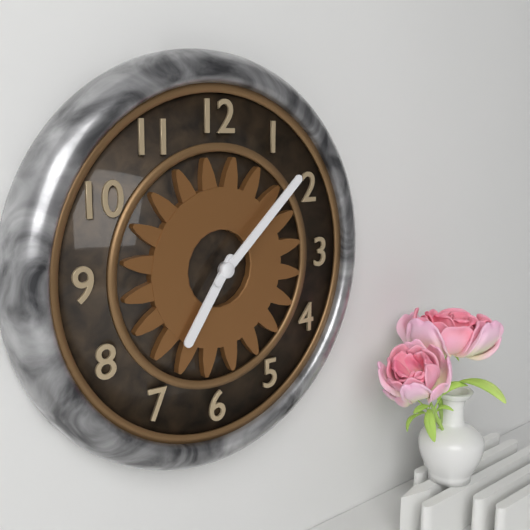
7:08
